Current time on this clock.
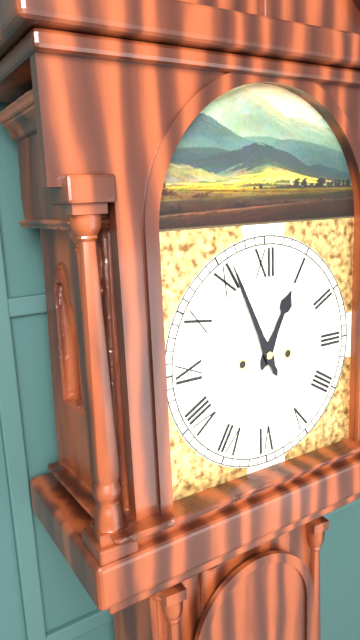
12:56
